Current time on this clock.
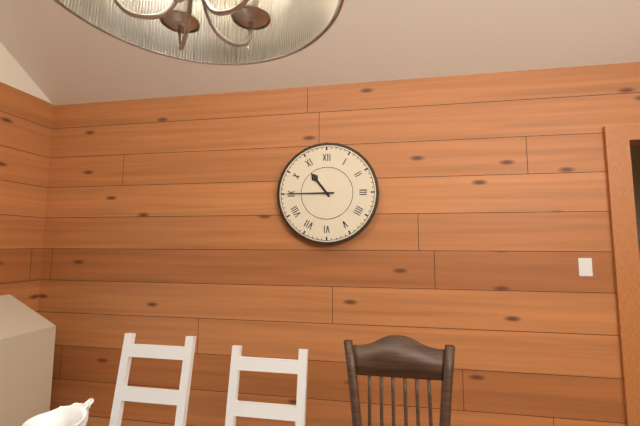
10:45
